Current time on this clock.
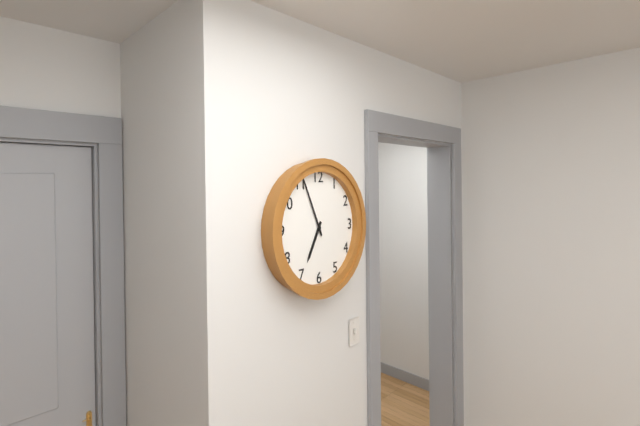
6:56
